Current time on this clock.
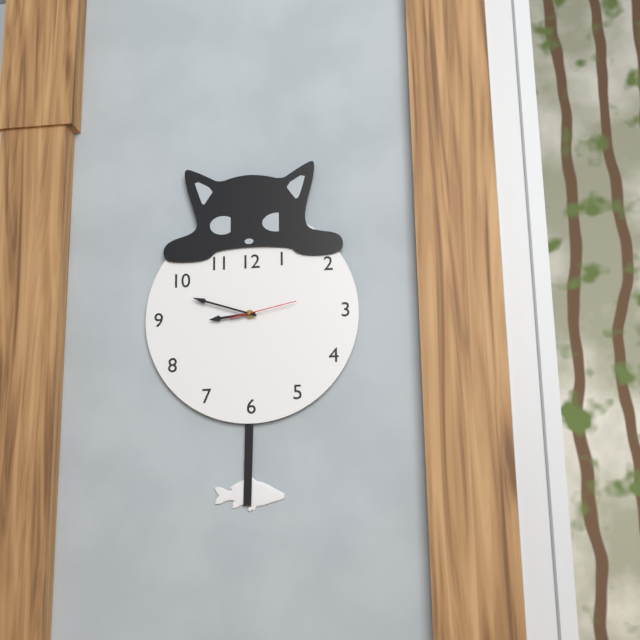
8:48:13
